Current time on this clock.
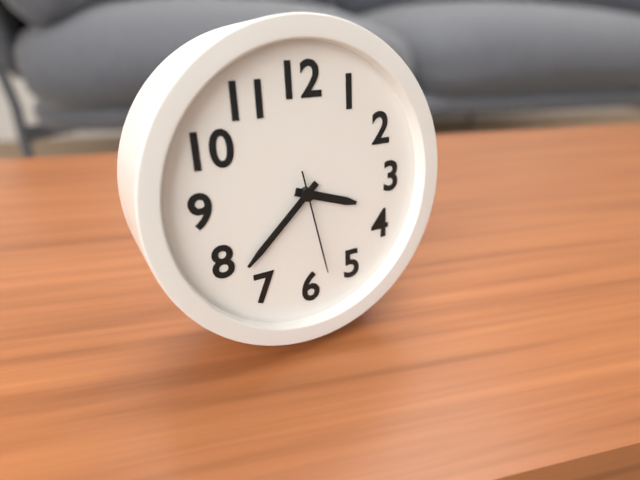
3:38:28
